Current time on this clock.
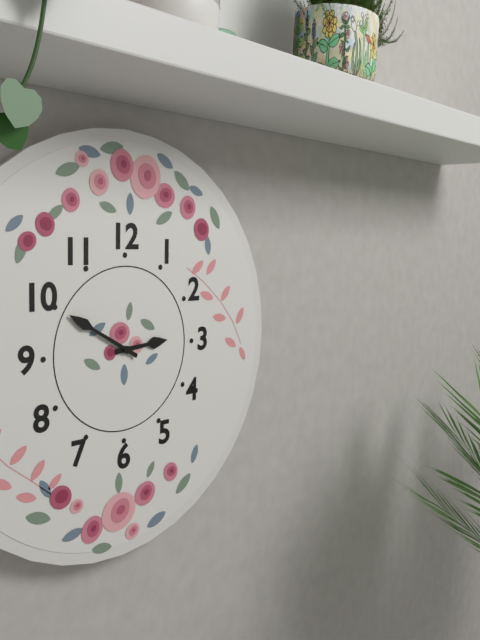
2:50
